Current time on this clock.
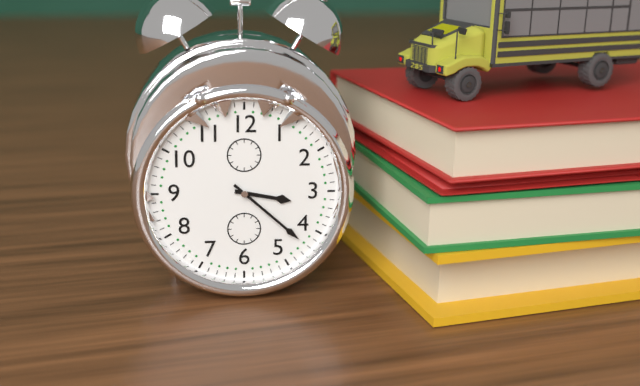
3:22
